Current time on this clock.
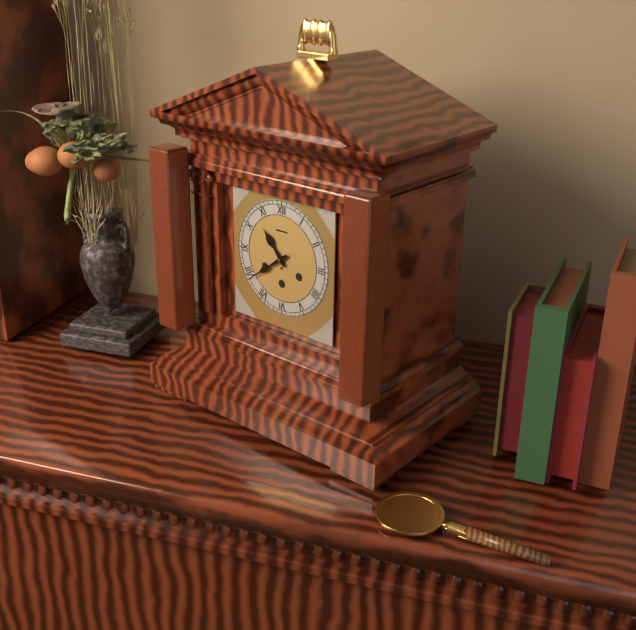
10:39
